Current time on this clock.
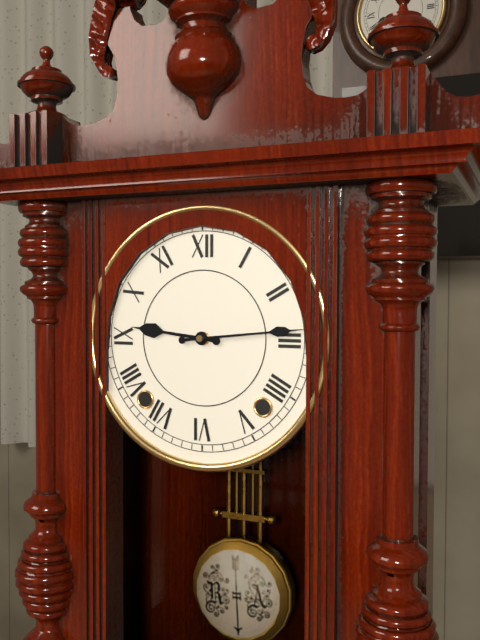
9:14
